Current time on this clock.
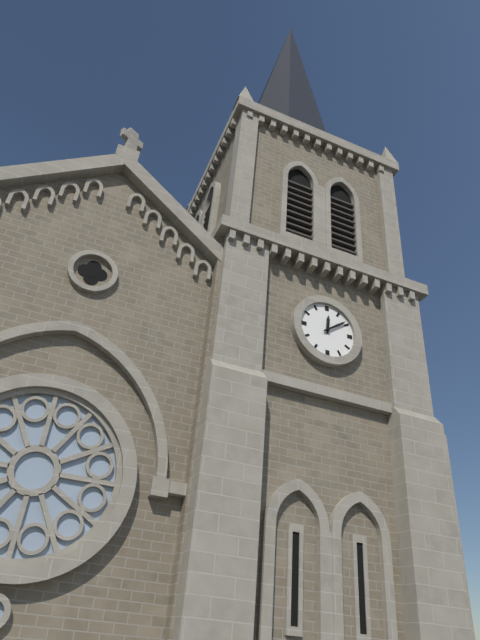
12:09
